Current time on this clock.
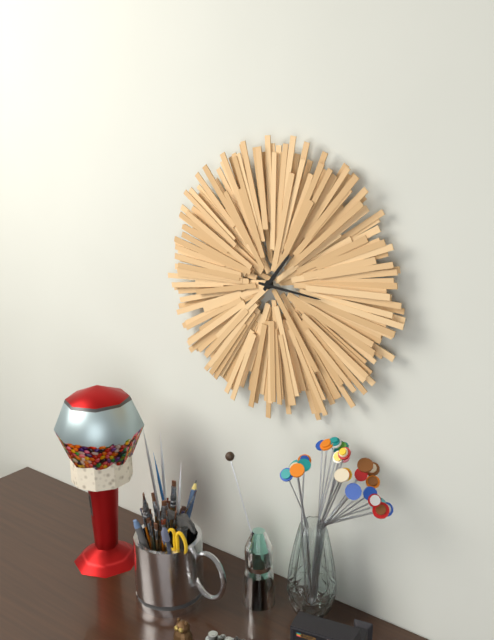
1:16
